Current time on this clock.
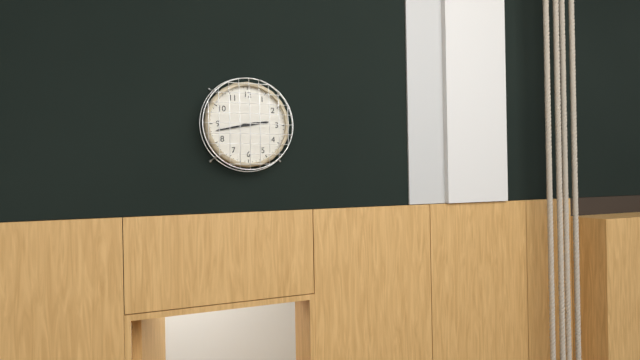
2:43
